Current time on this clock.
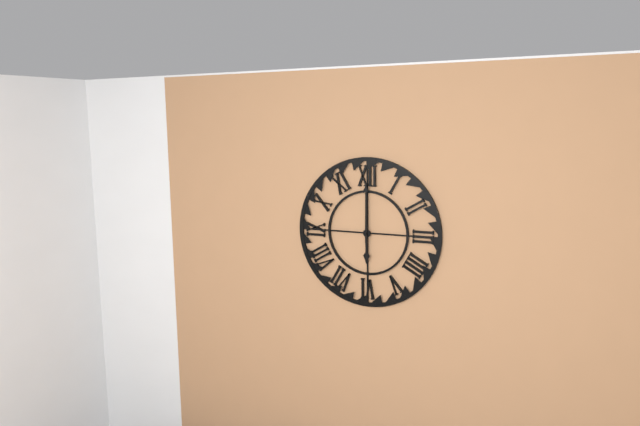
6:00
